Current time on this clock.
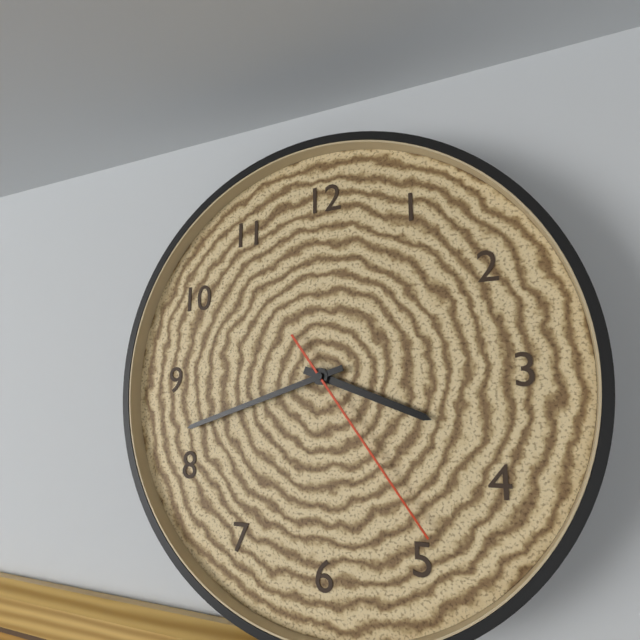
3:42:24
